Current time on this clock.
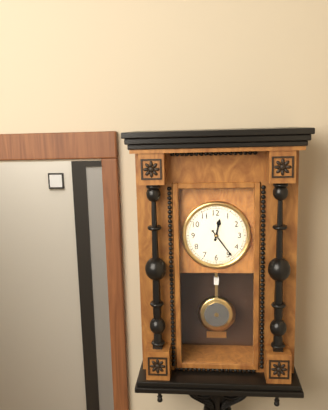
12:24
